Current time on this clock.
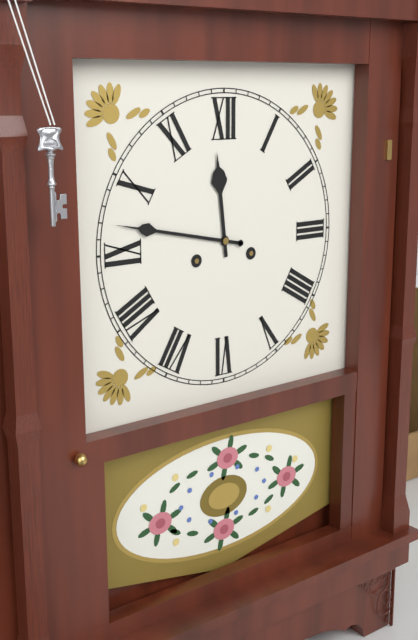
11:47
